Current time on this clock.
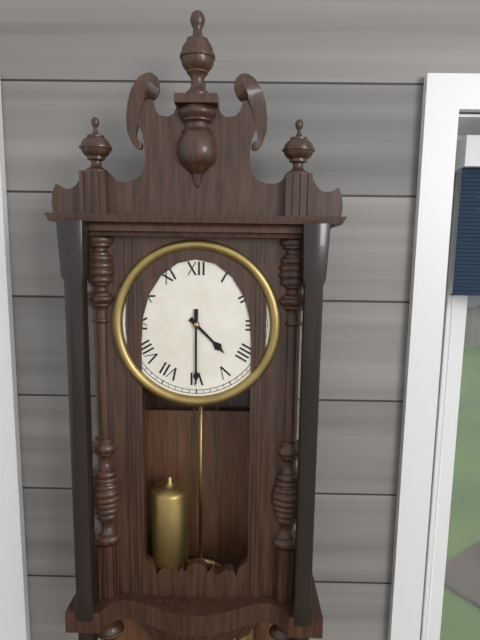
4:30
